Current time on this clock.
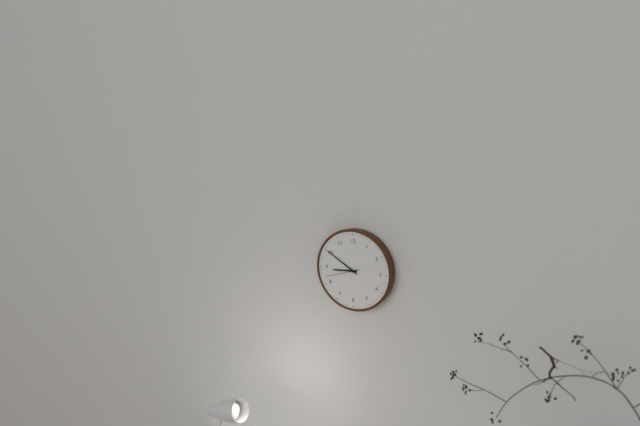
8:50
